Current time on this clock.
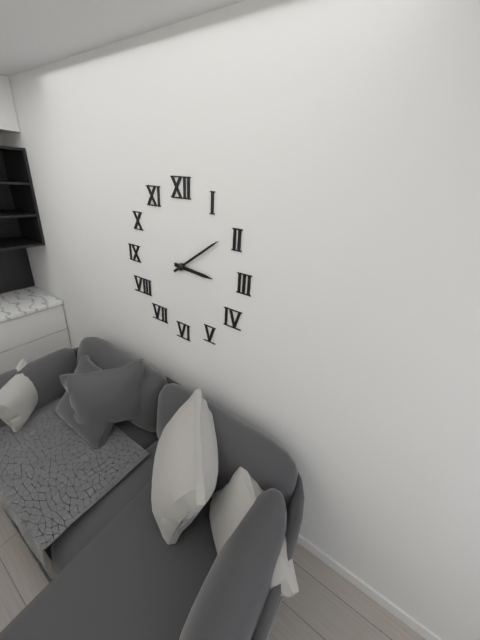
3:09
